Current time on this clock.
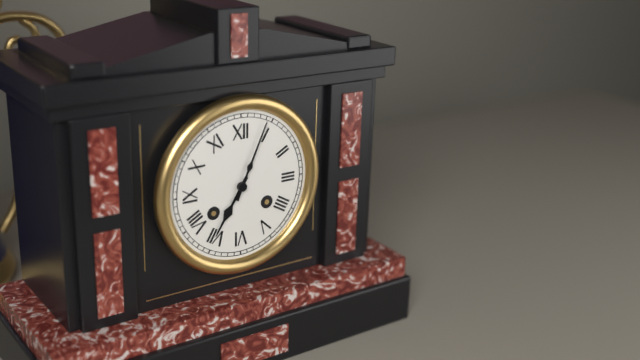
7:04
